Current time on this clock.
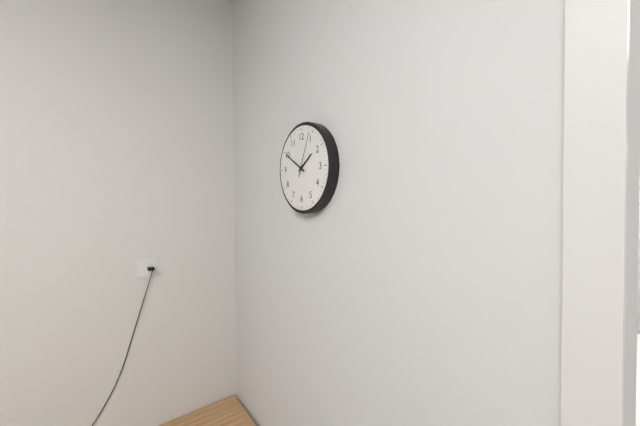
1:50
